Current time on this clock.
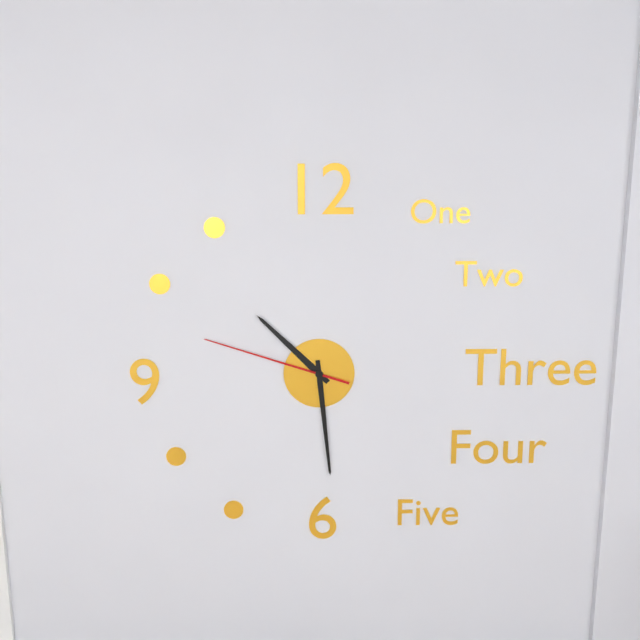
10:29:48
